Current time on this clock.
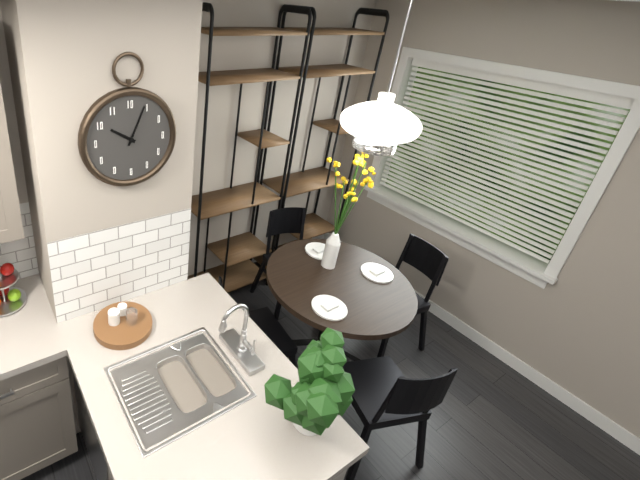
10:04
